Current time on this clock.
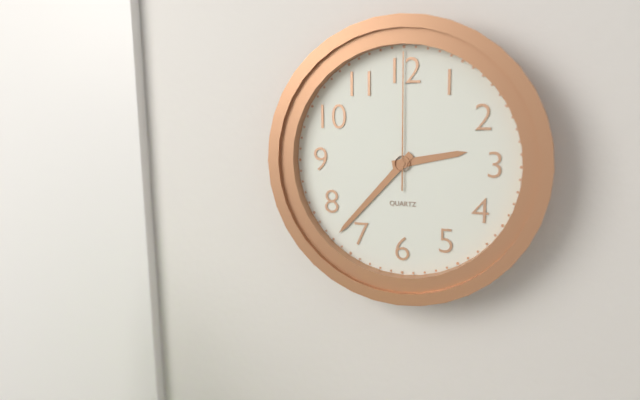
2:37:00
